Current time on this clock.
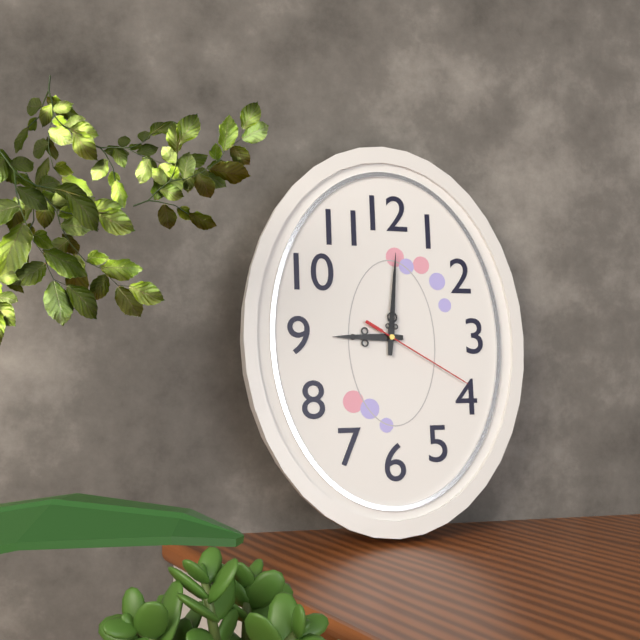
9:01:20
